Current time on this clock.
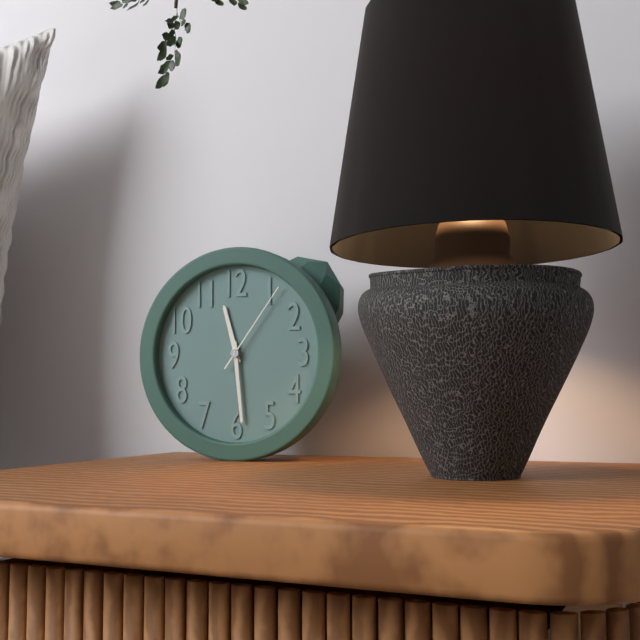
11:29:06
